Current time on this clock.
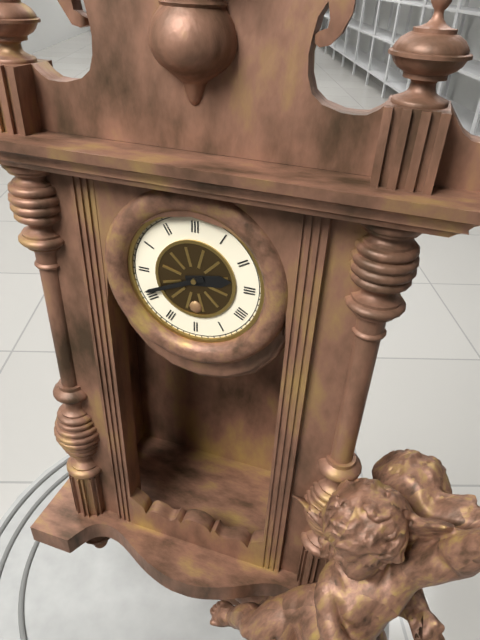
2:41
